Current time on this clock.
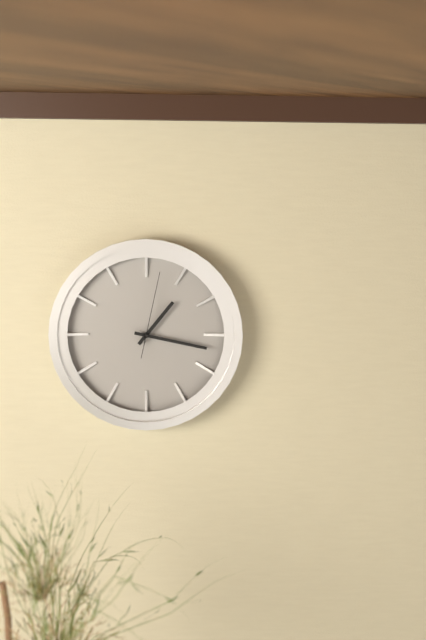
1:17:02
